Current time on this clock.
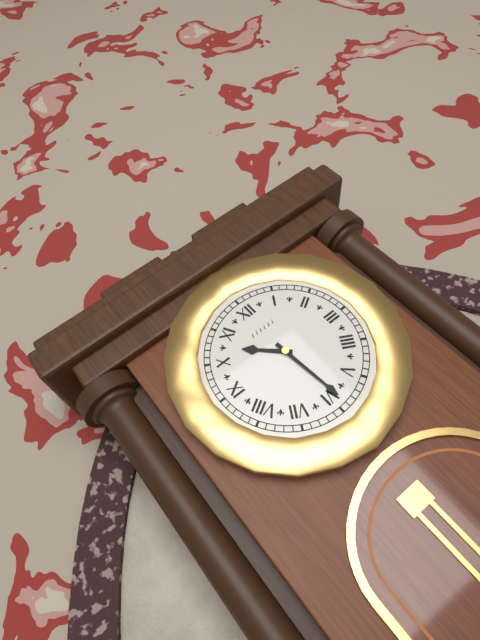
10:29
